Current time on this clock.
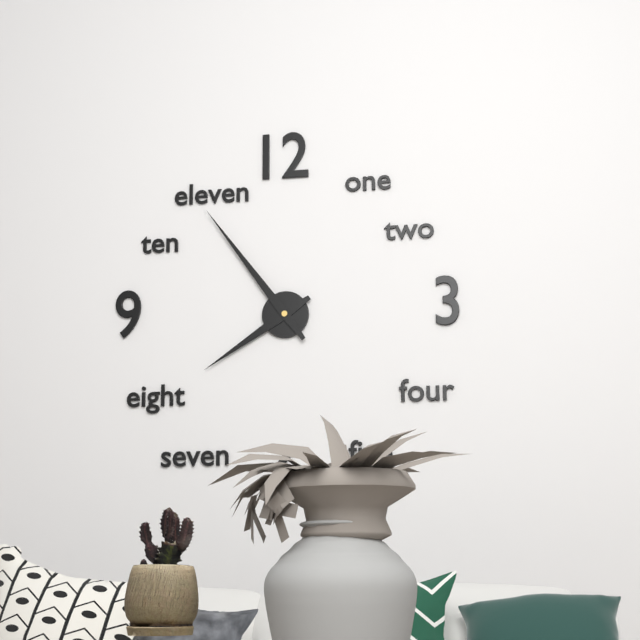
7:54
